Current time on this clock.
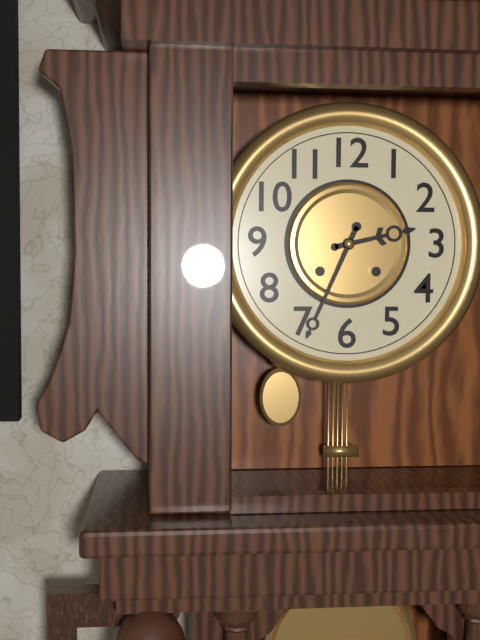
2:34
